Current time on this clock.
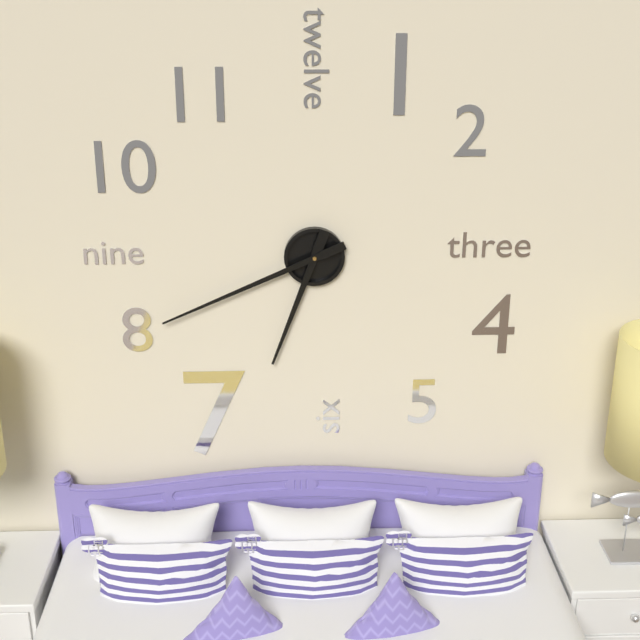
6:41
